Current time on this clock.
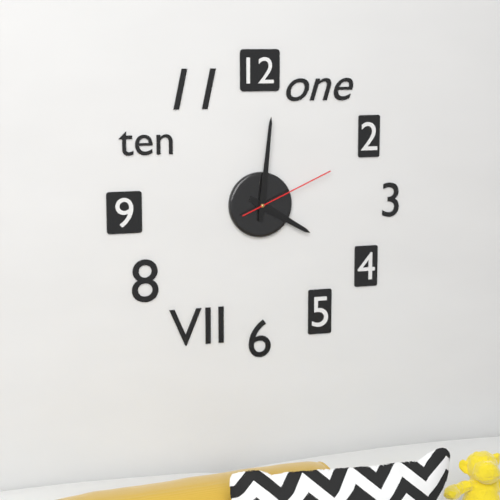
4:01:11
